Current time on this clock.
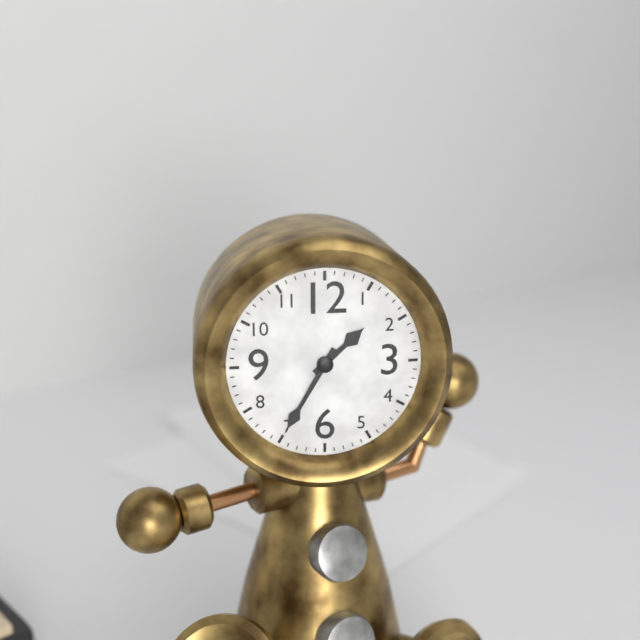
1:35
